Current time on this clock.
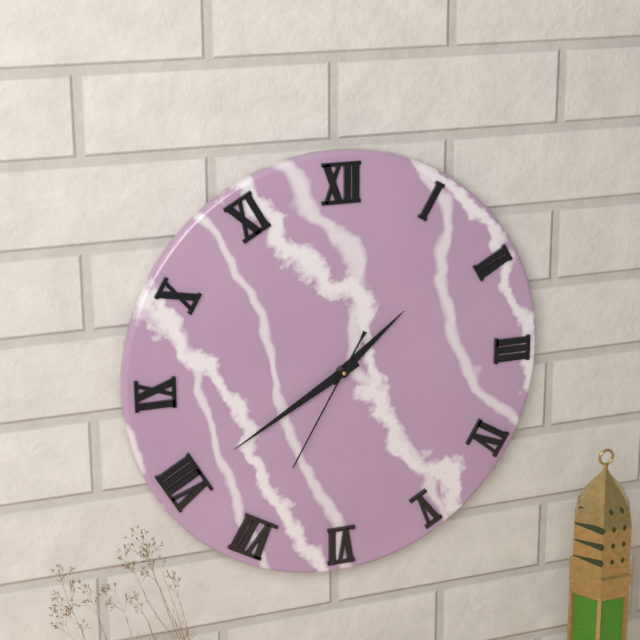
1:40:35
